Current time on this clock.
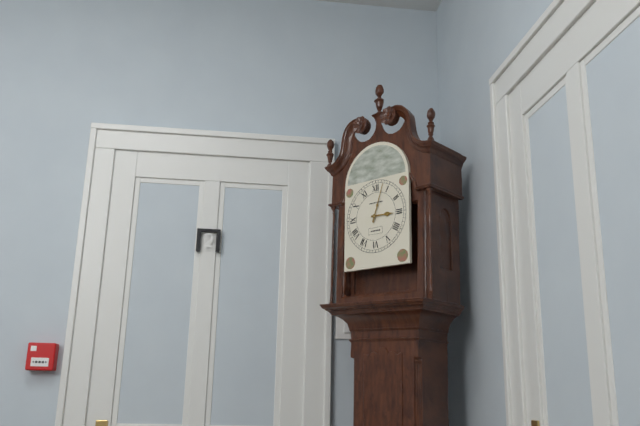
3:03
